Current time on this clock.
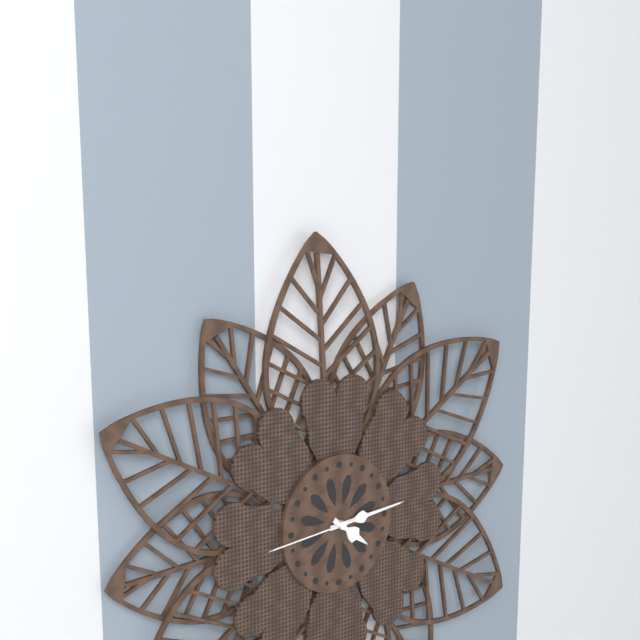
4:14:44
